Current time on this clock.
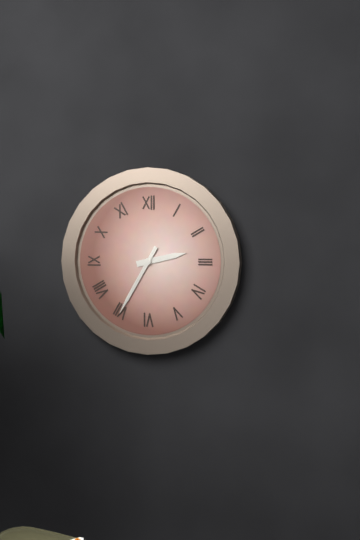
2:35
